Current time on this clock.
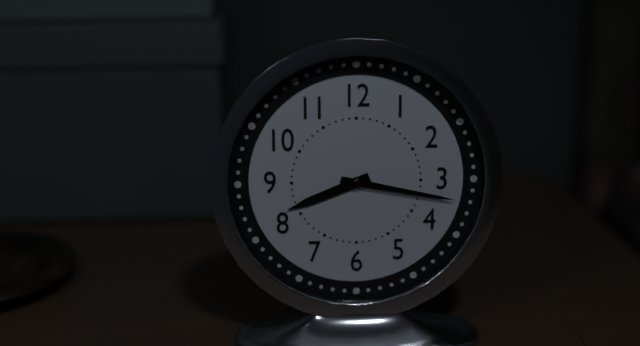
8:17
